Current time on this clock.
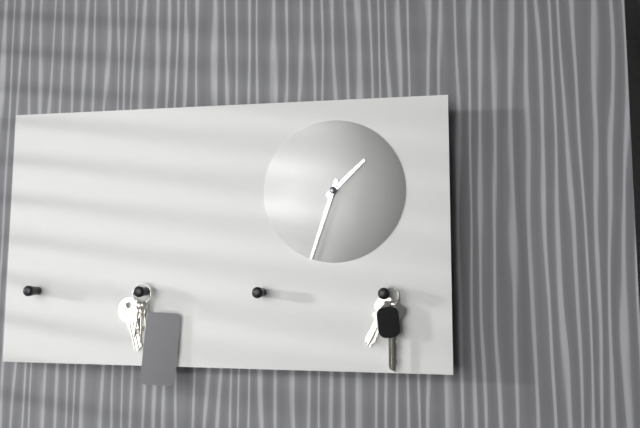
1:33
